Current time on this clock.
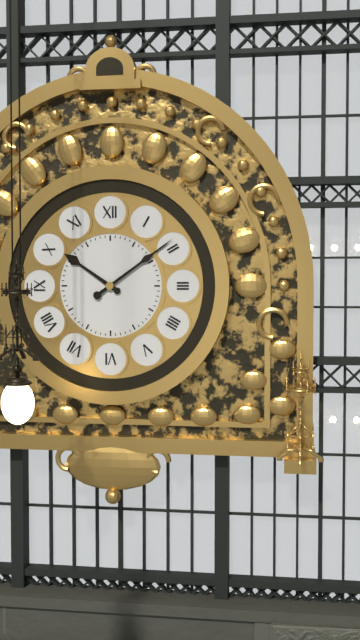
10:09
